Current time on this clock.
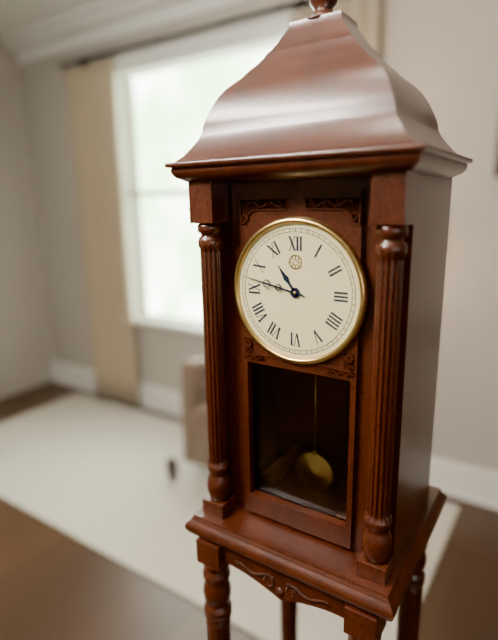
10:47
